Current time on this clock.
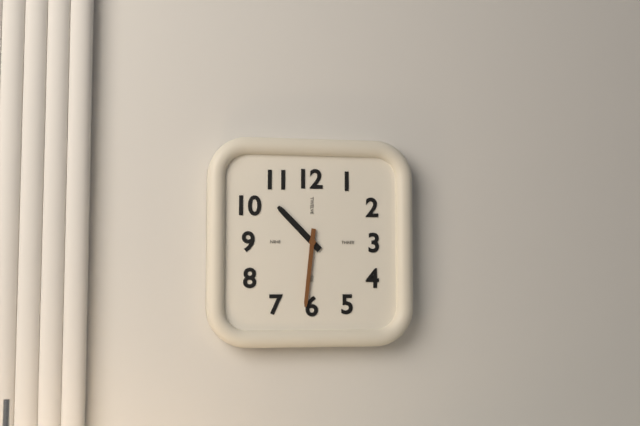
10:31
